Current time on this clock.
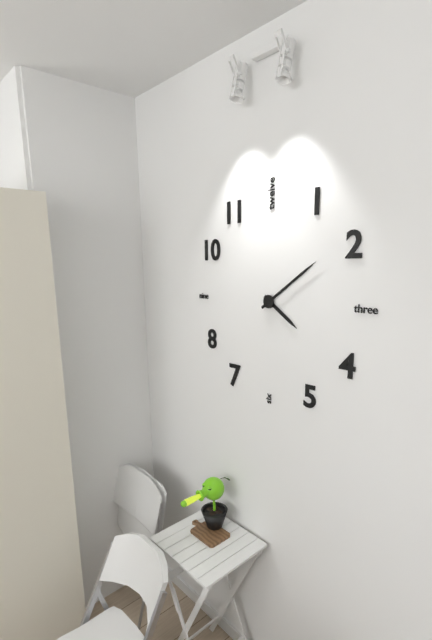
4:09
